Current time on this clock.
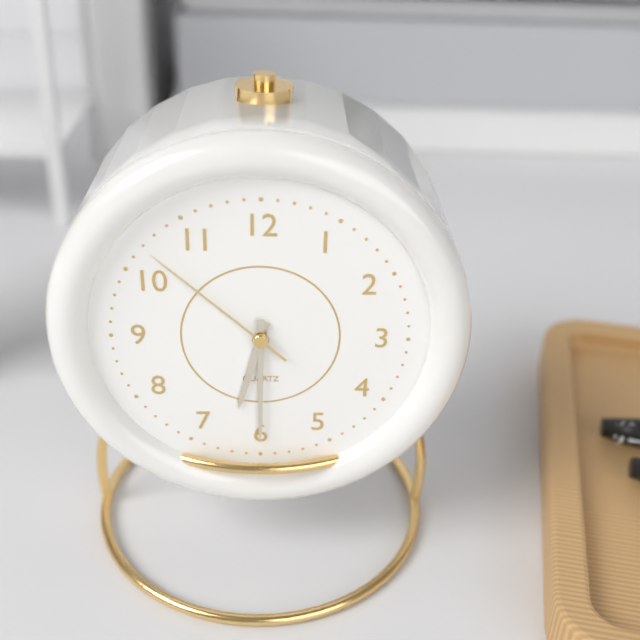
6:30:52
